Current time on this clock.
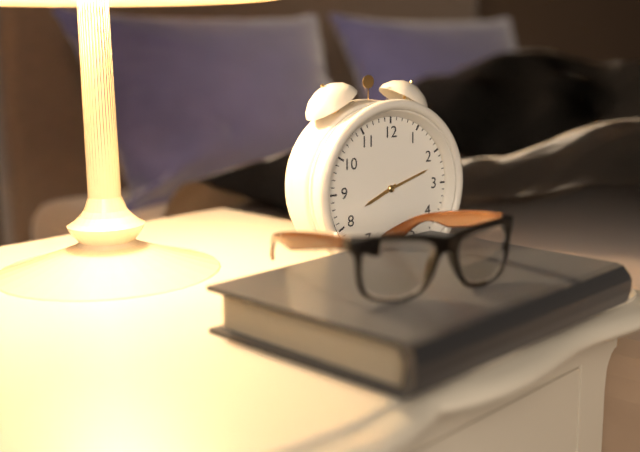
8:12
